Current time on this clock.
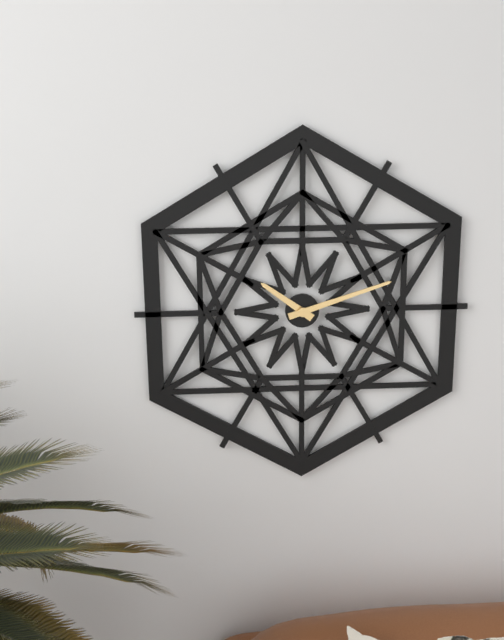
10:12
